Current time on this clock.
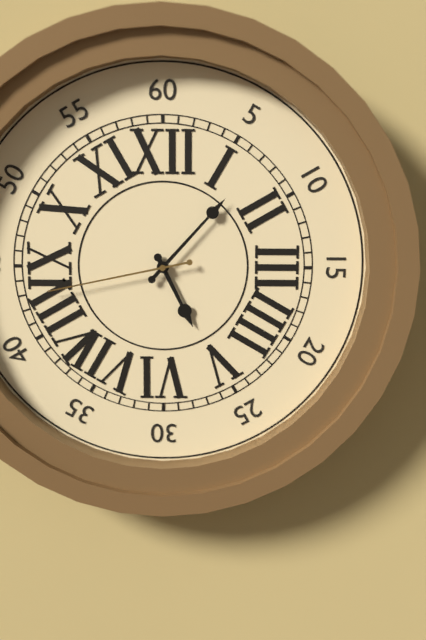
5:07:43
